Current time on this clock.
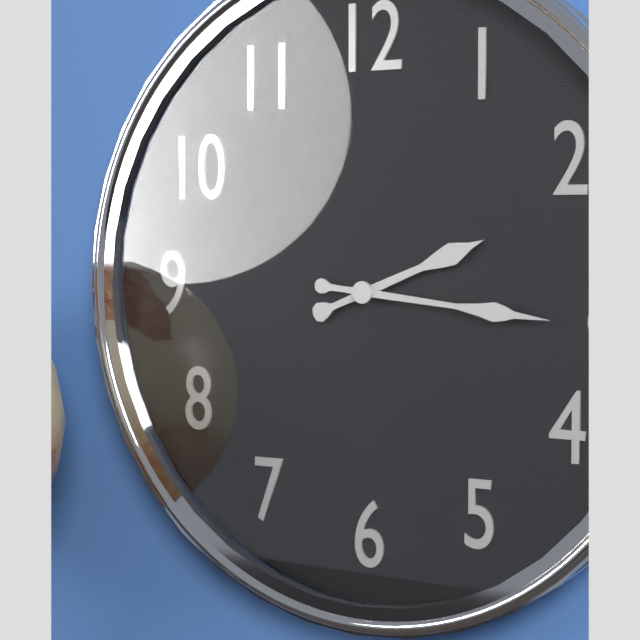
2:16
